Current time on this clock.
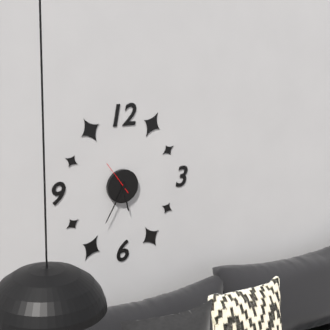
5:35
